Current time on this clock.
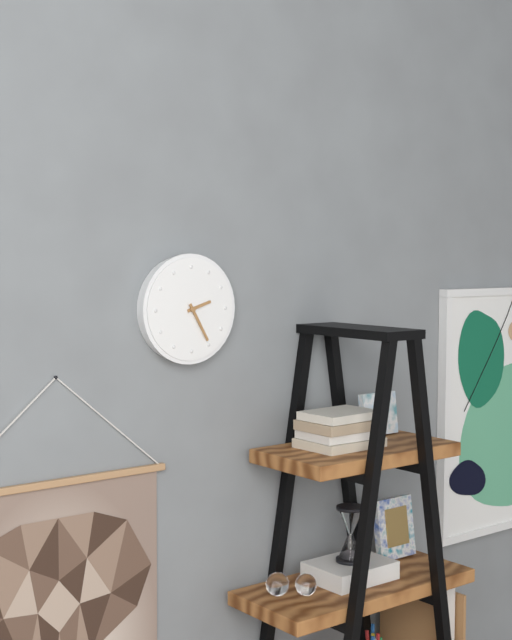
2:25
